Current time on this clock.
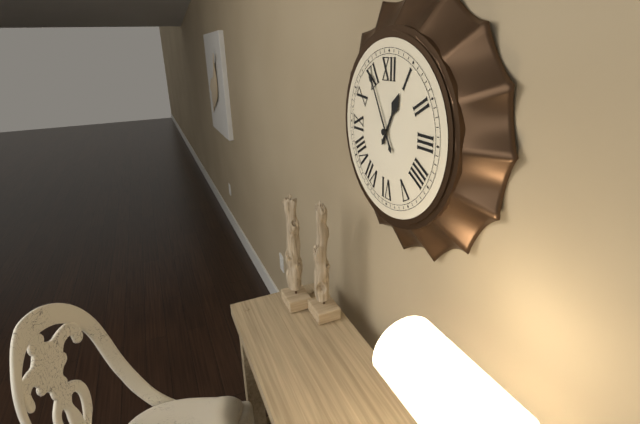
12:55
